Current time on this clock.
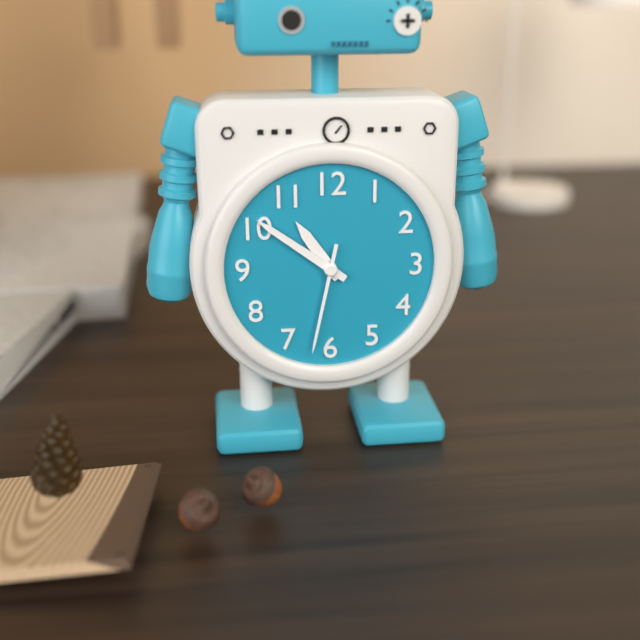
10:51:32
